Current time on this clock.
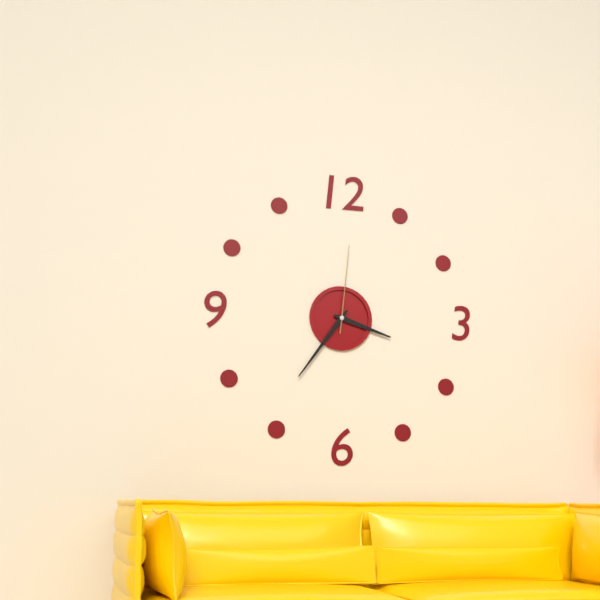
3:36:01
